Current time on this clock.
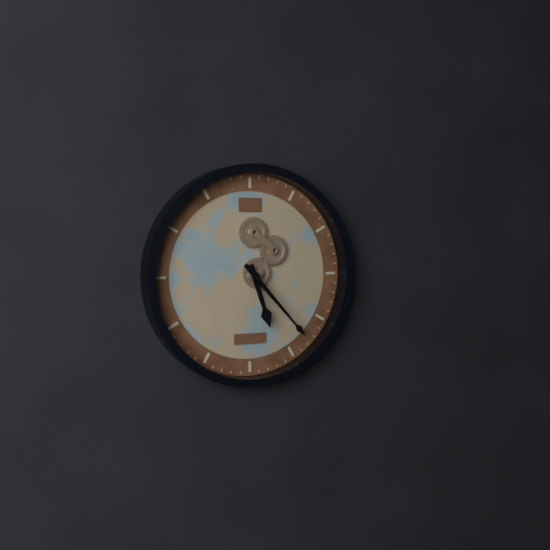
5:23
